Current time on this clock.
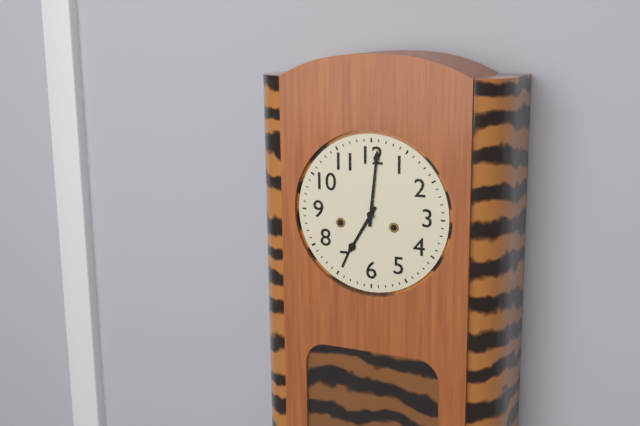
7:01
